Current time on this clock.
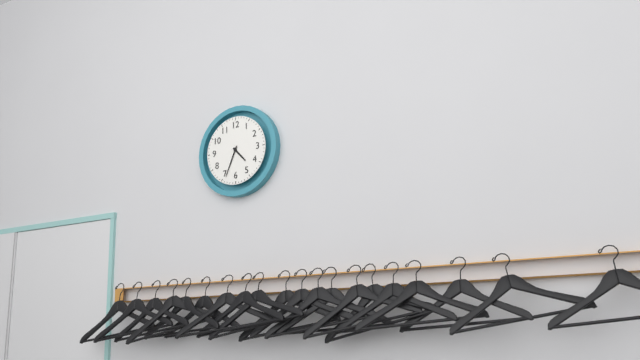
4:34
